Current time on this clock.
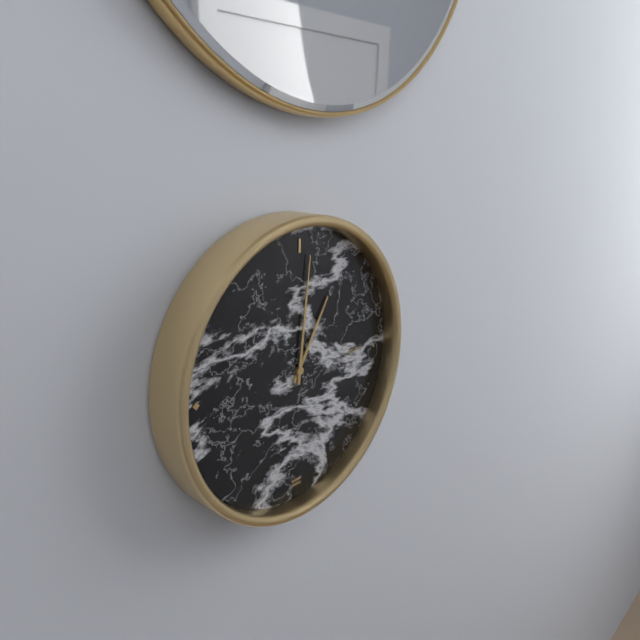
1:01
